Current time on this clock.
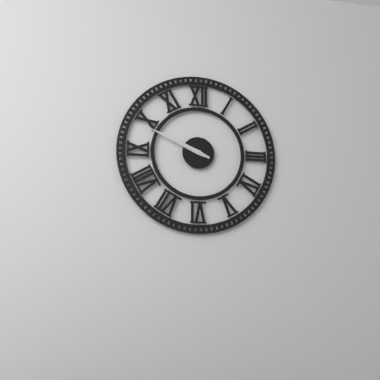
9:49
